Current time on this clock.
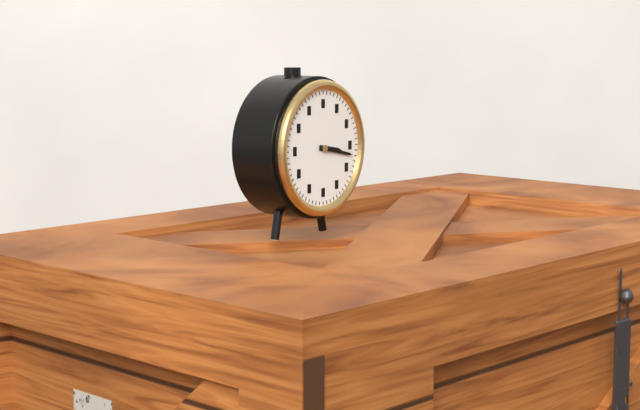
3:17
